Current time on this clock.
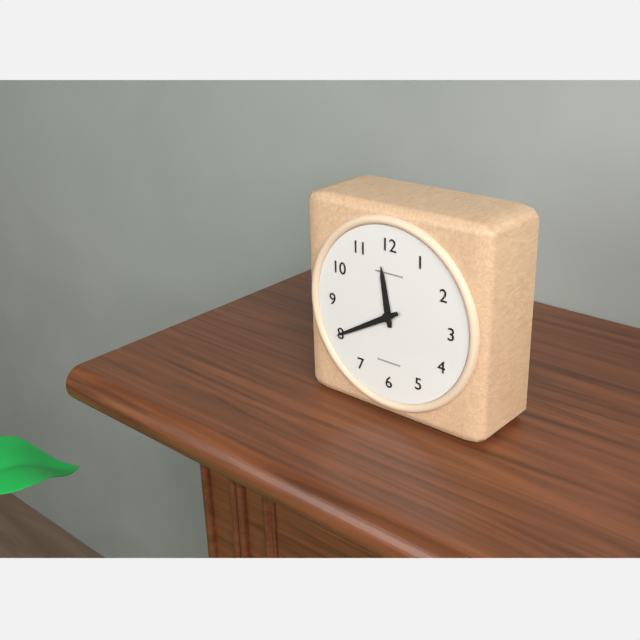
11:40
